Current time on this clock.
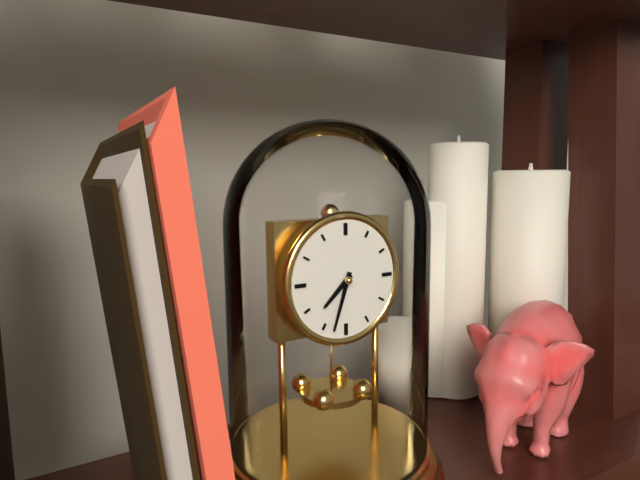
7:33
